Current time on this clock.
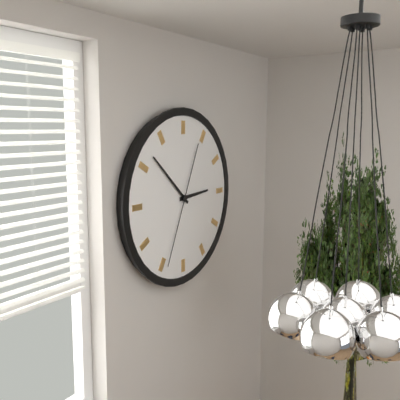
2:52:34
